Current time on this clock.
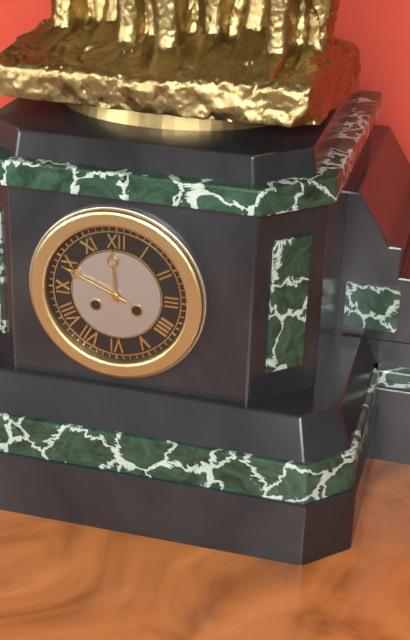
11:49
